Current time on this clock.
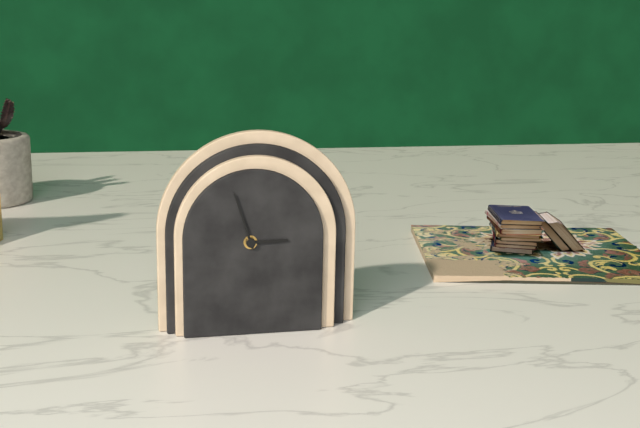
2:57
